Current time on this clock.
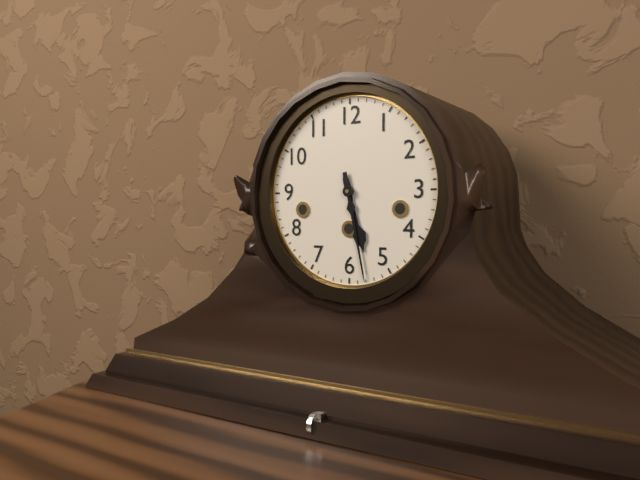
5:28
